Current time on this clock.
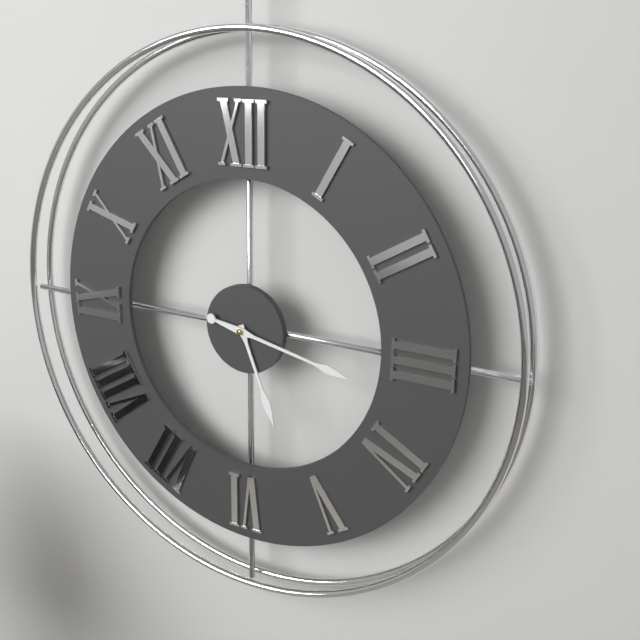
5:17
